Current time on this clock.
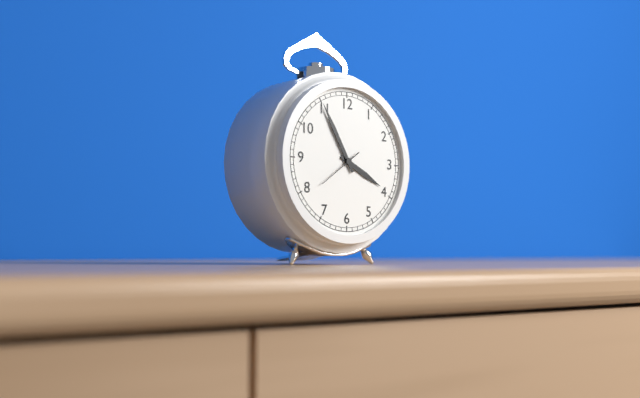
3:55
